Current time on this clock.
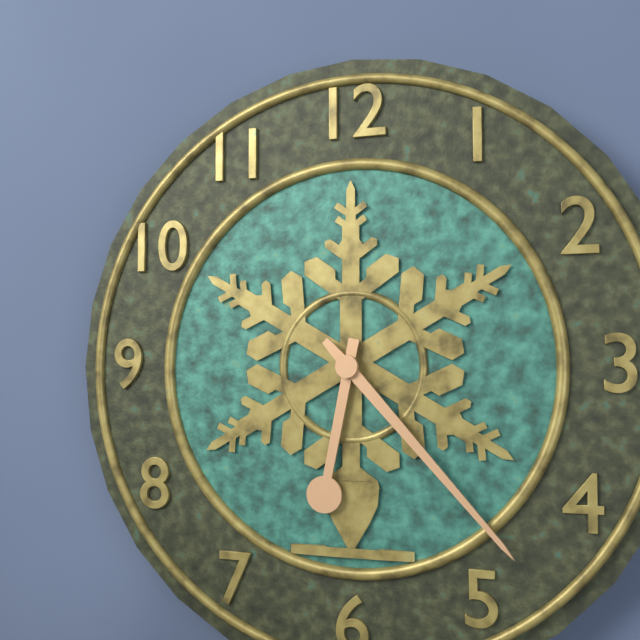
6:23
